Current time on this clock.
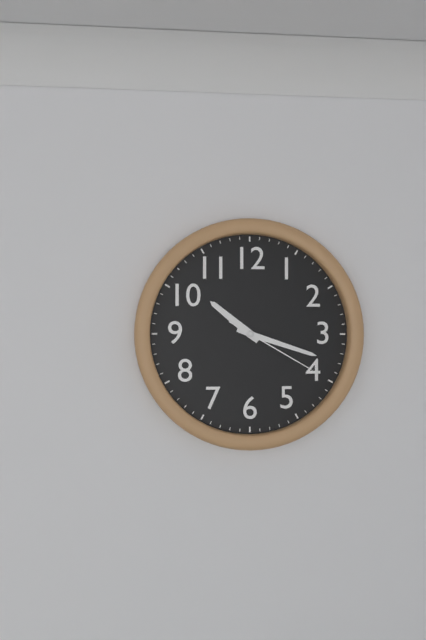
10:18:20
